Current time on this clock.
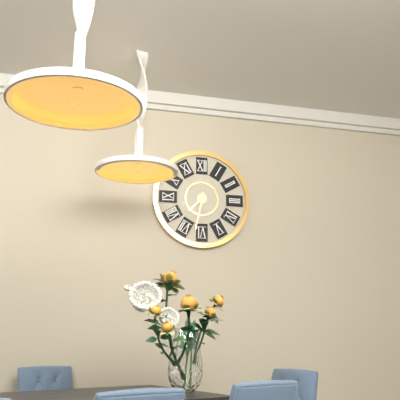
7:32
